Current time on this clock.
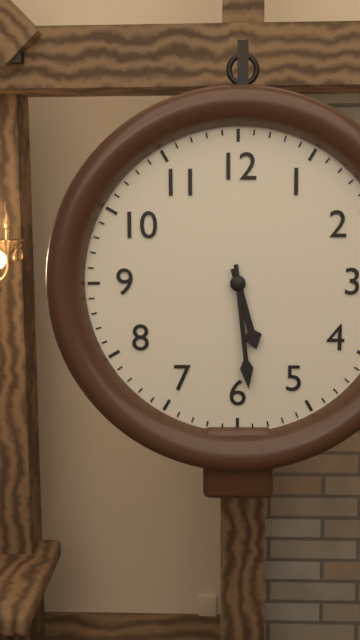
5:29
